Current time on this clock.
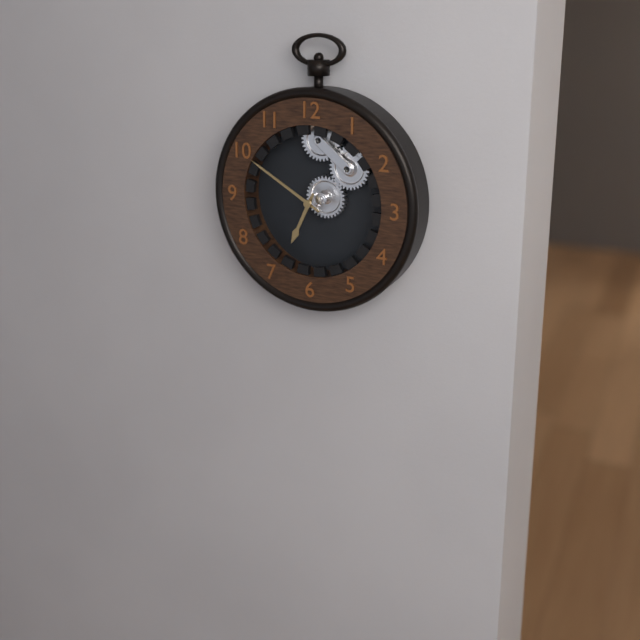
6:50
